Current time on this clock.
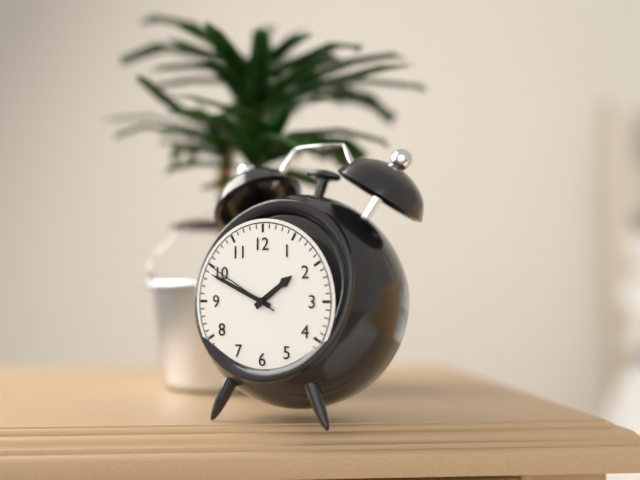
1:49:50
